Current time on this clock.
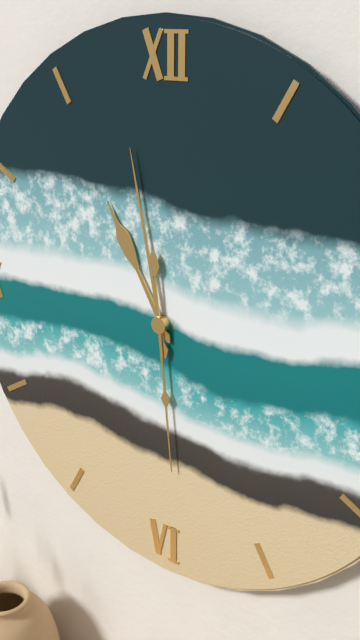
10:58:29
